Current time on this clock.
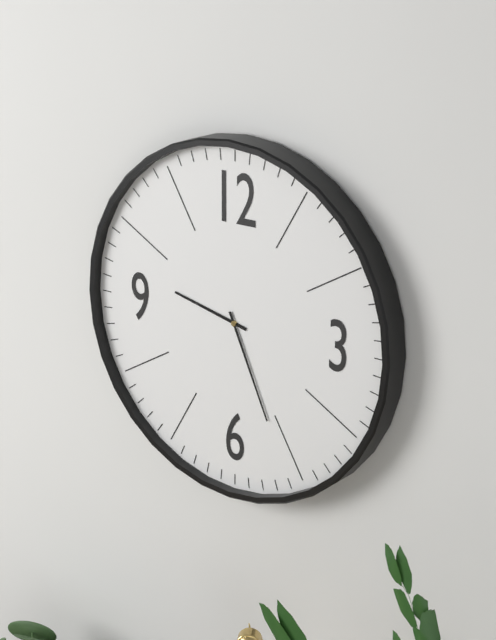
9:26
